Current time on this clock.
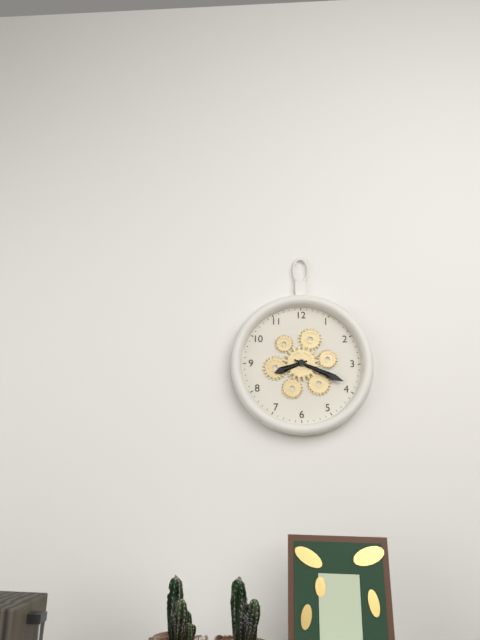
8:19
